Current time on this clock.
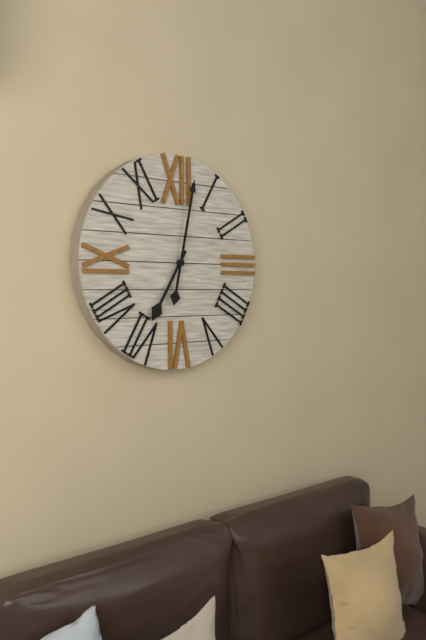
7:02
